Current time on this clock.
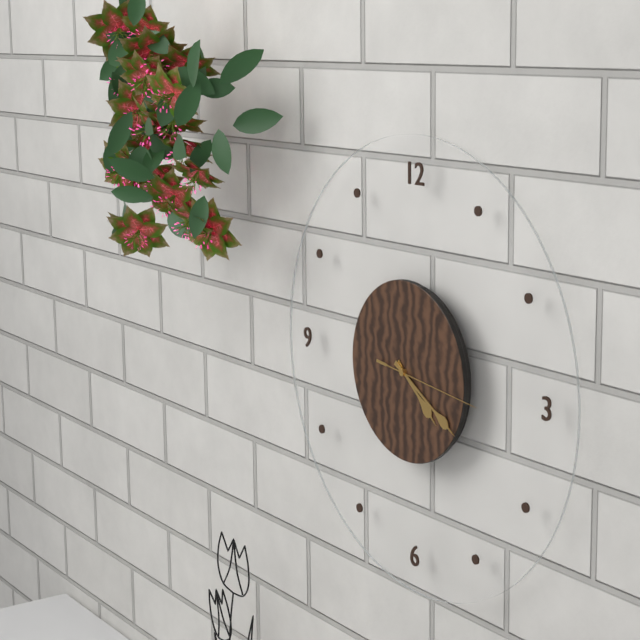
4:20:16
